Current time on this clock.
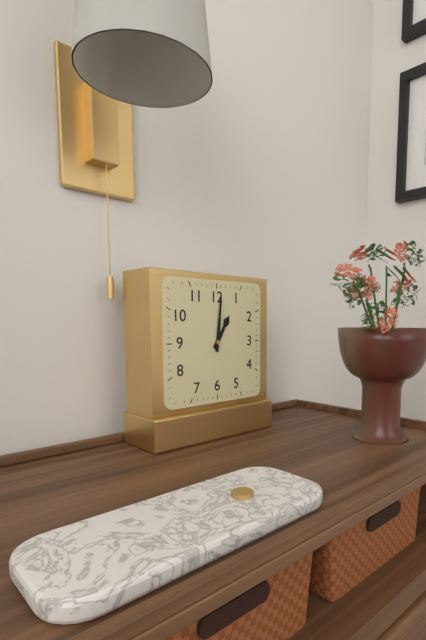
1:01
